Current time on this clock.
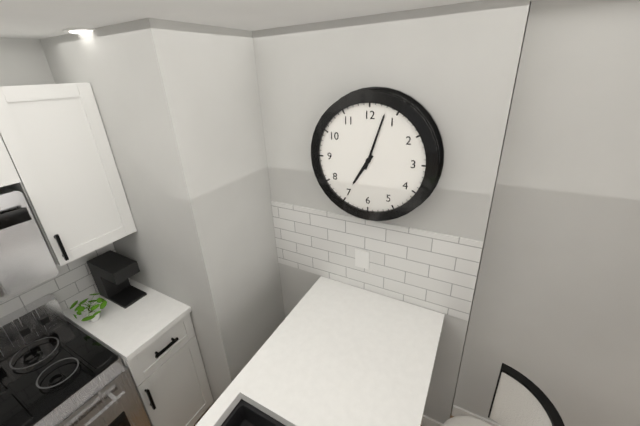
7:03
